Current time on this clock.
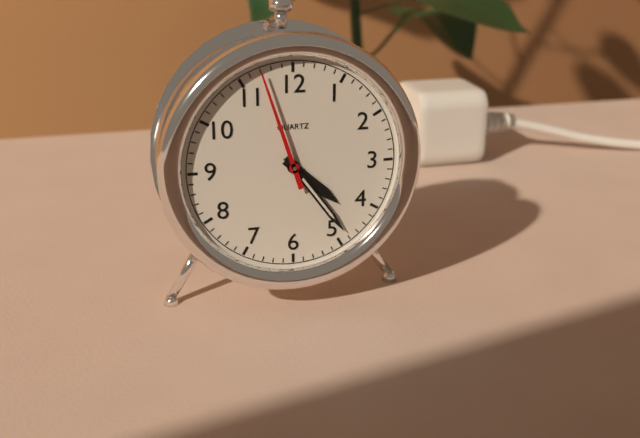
4:24:57
